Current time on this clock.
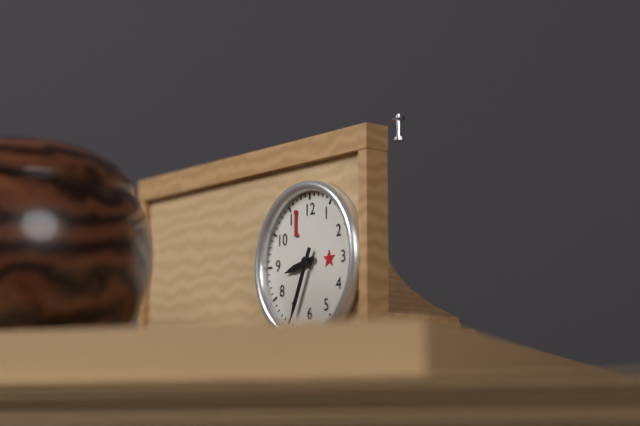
8:34
